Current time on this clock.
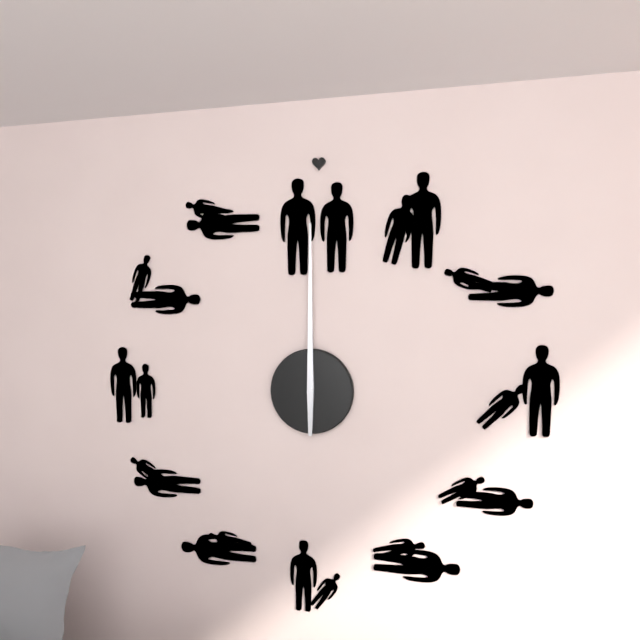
12:00
